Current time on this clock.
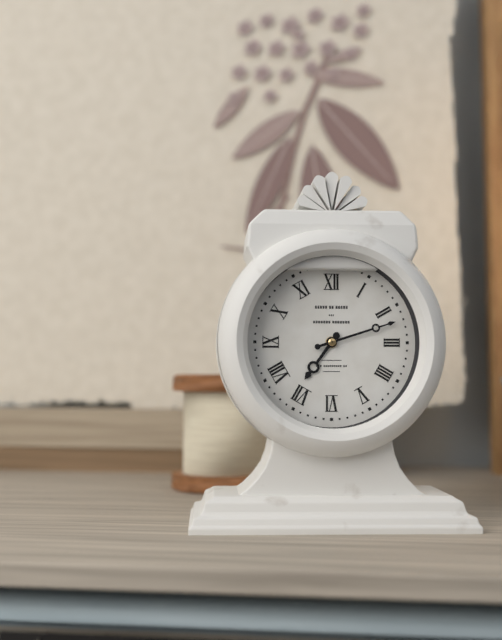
7:12
